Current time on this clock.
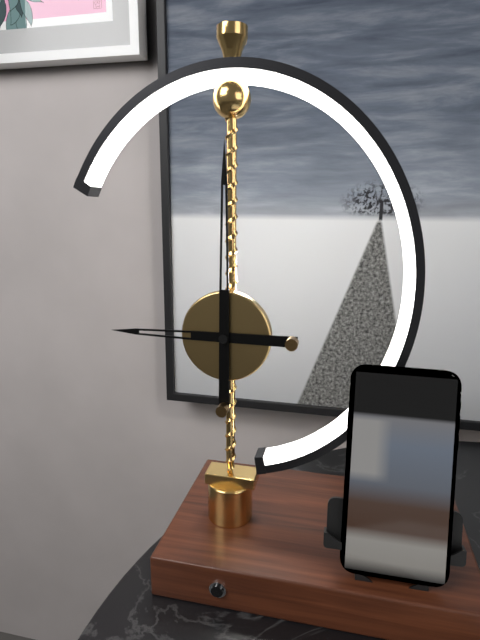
9:00
